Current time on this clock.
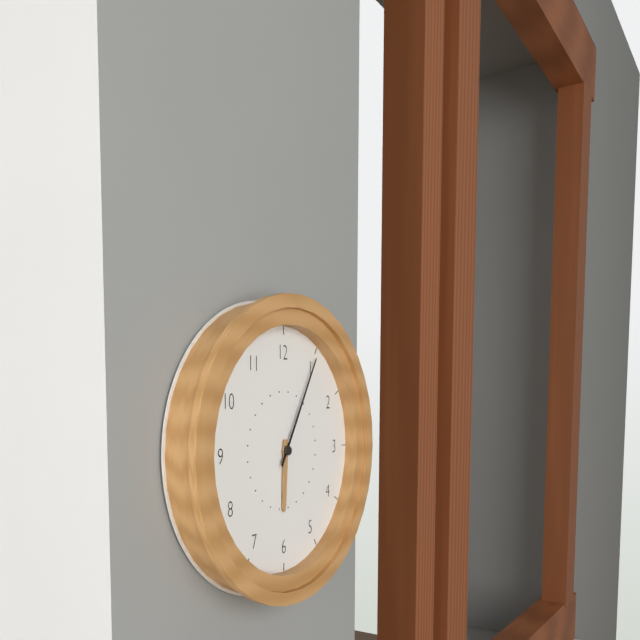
6:05
